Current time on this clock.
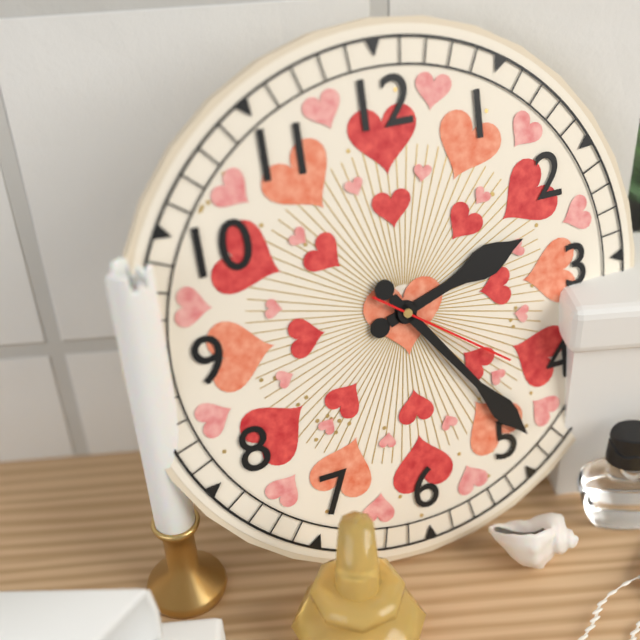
2:24:21
